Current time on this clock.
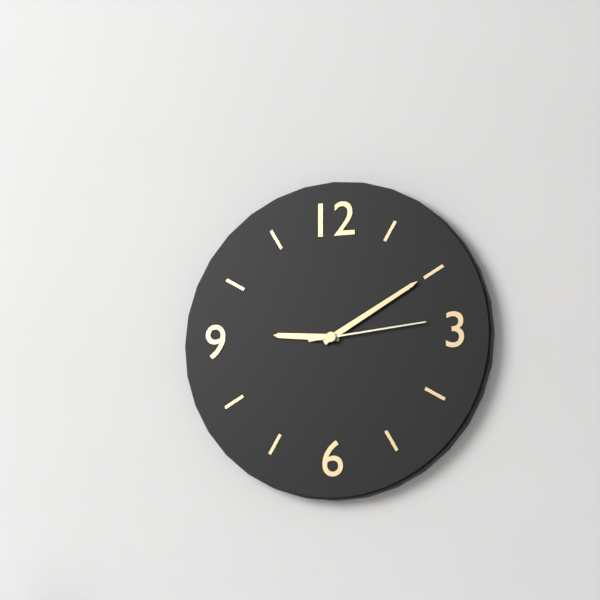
9:10:14
